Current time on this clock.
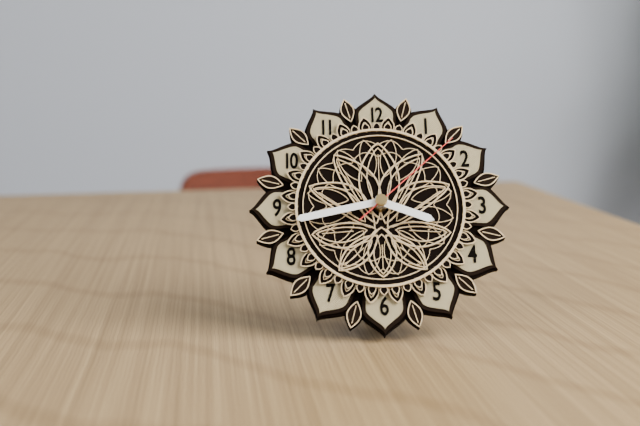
3:43:08
